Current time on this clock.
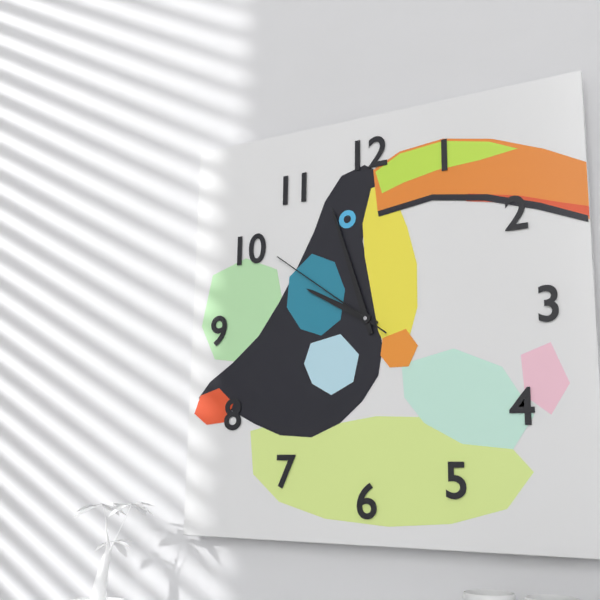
9:57:51
